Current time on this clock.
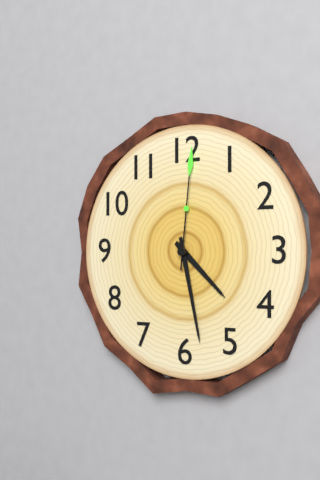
4:28:01
